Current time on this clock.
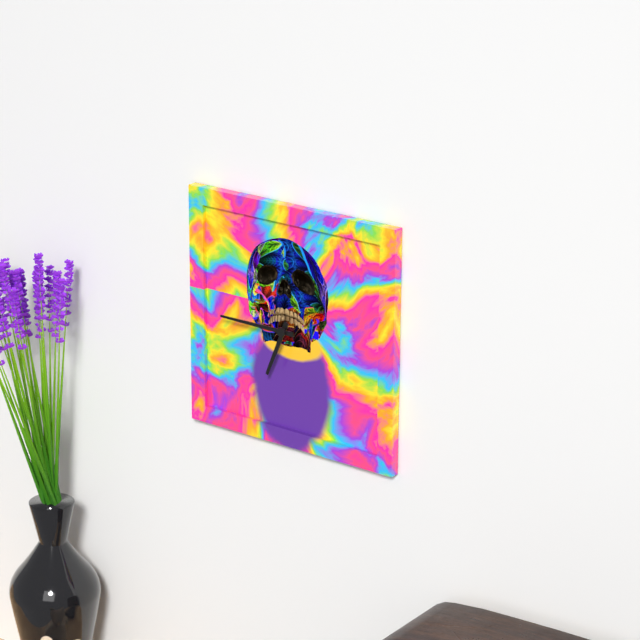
6:45
